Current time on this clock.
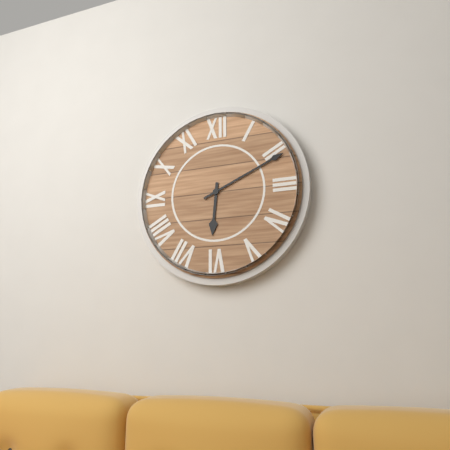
6:11
